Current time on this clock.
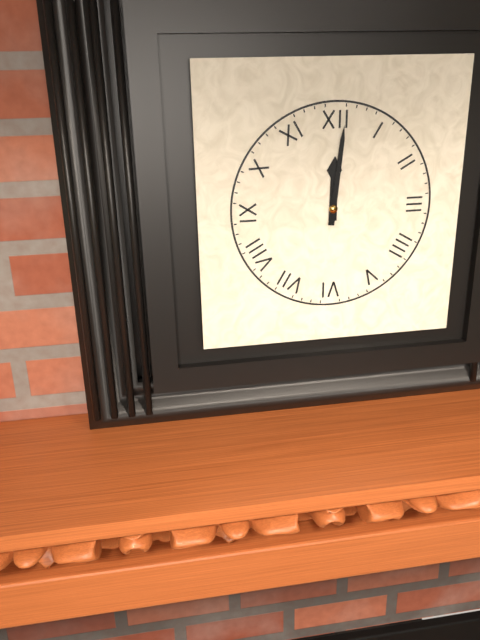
12:01
